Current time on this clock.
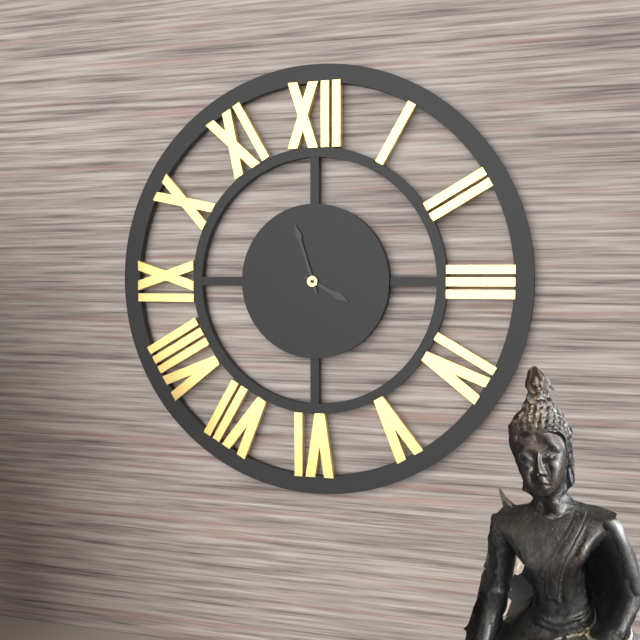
3:57
